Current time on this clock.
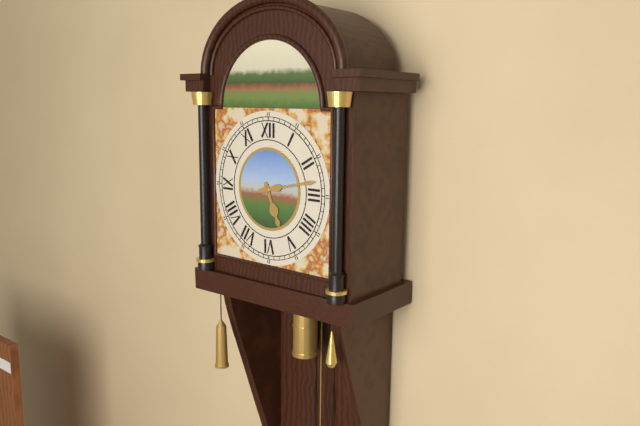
5:13
